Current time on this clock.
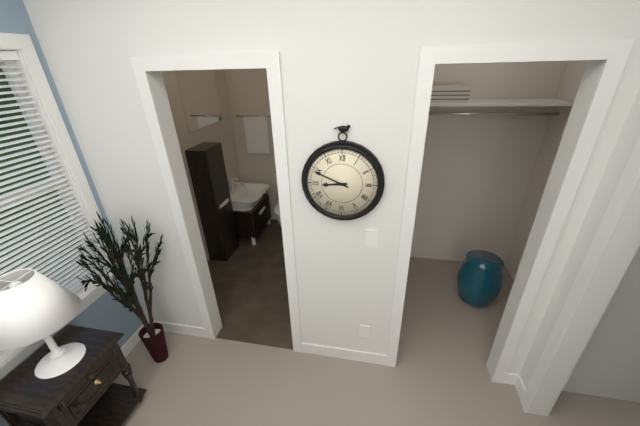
8:49
